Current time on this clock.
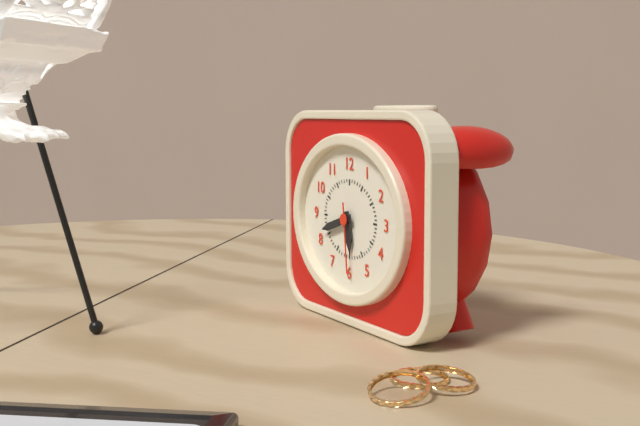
5:42:29
